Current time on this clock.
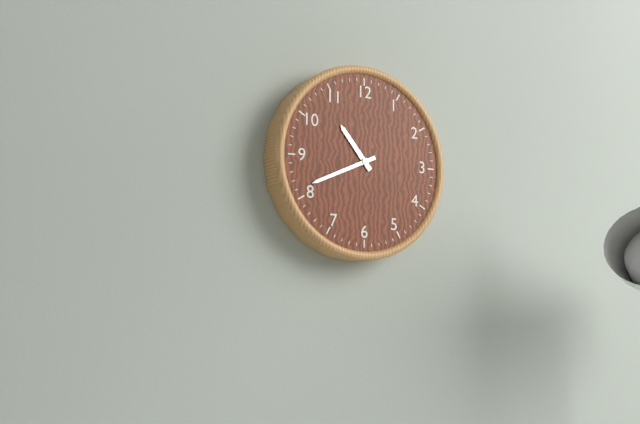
10:41
